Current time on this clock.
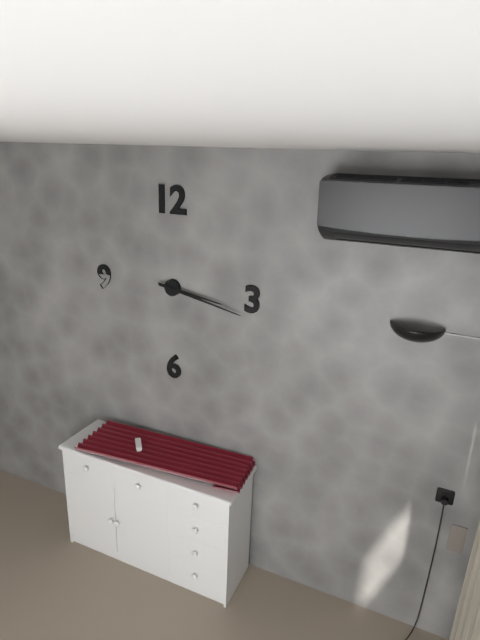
3:17
